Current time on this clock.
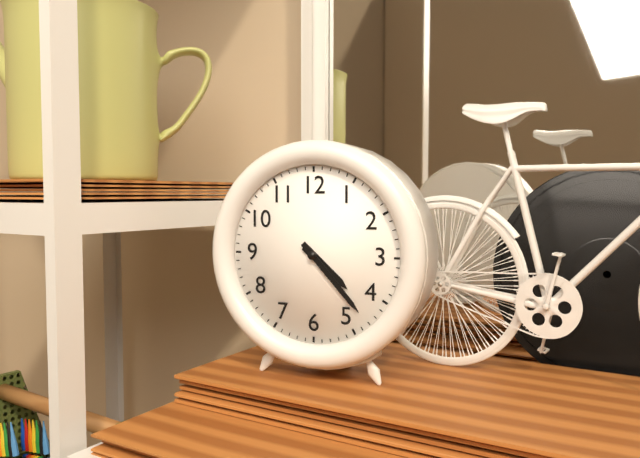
4:23
